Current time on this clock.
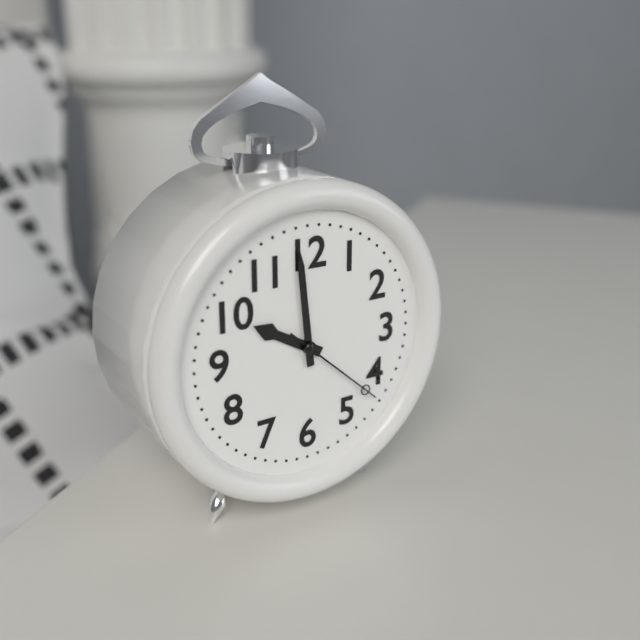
9:59:22
